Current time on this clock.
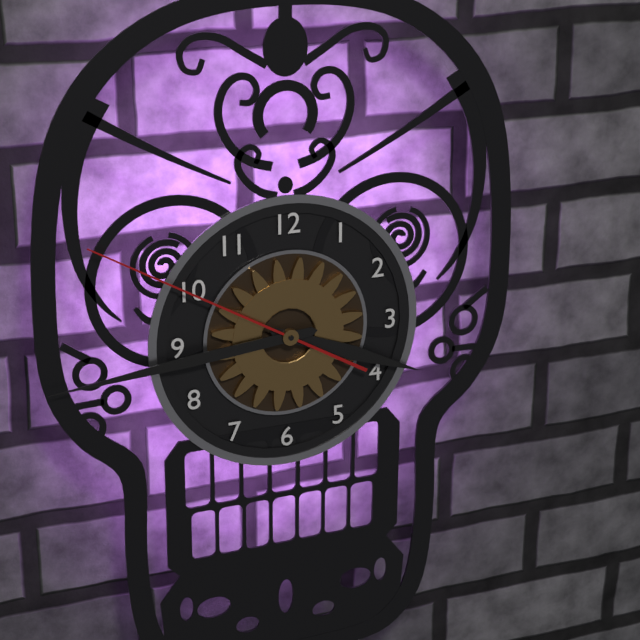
3:44:50
